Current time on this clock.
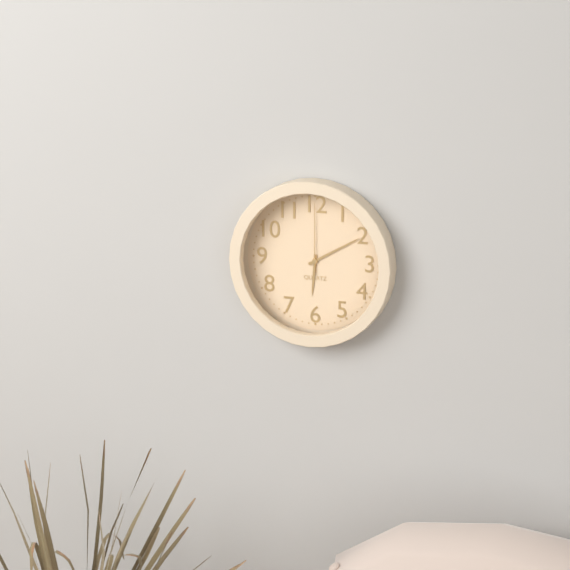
6:10:00
